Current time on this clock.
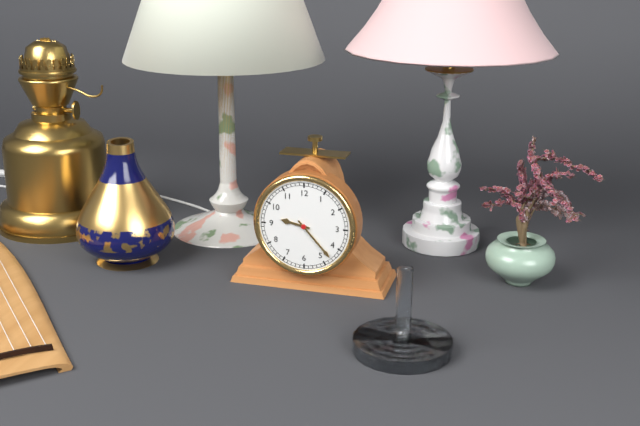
9:23
